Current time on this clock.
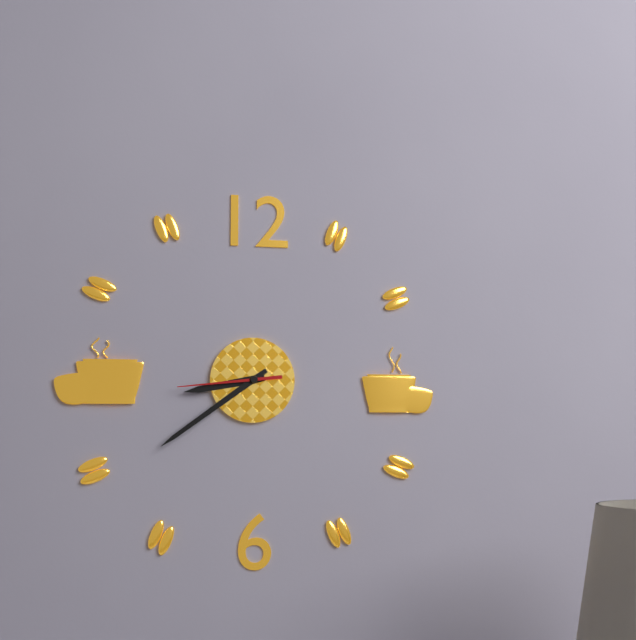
8:39:44
